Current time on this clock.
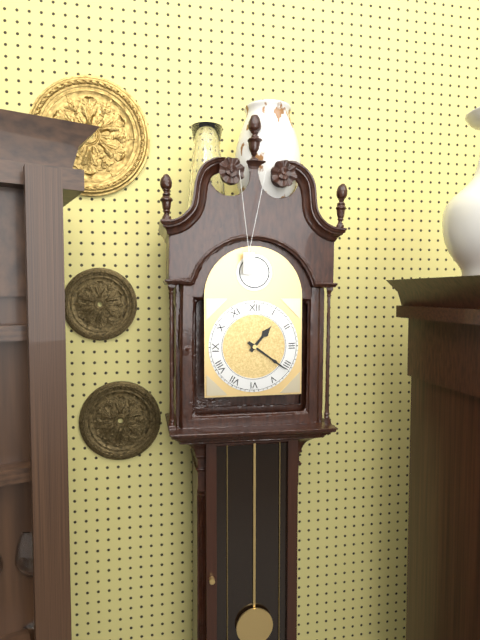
1:21
